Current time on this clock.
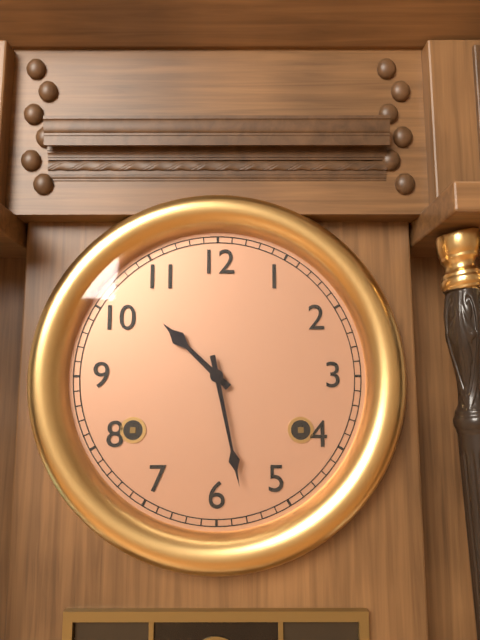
10:28
